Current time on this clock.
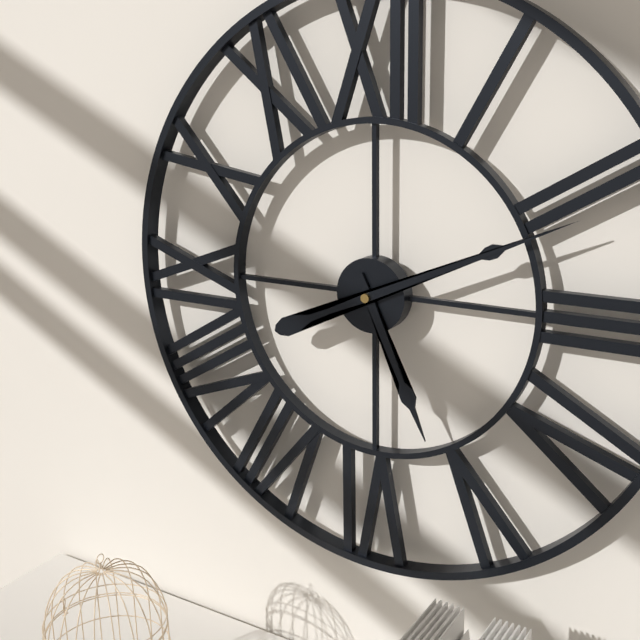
5:11
